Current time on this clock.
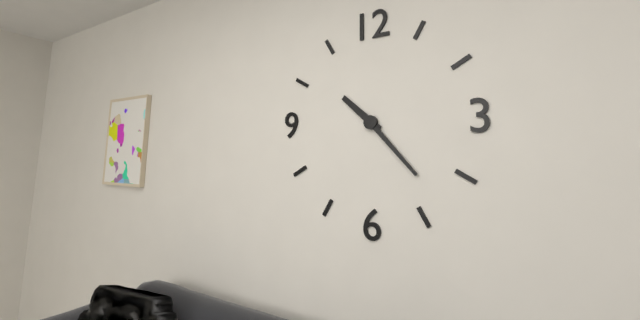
10:23
